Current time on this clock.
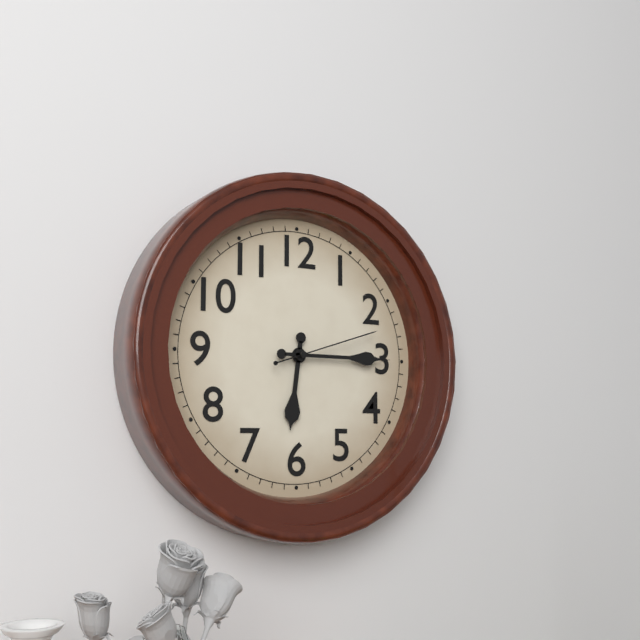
6:15:12
